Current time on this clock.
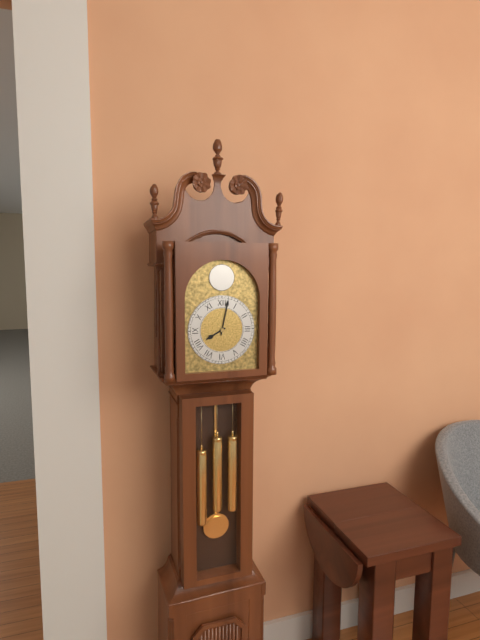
8:02
